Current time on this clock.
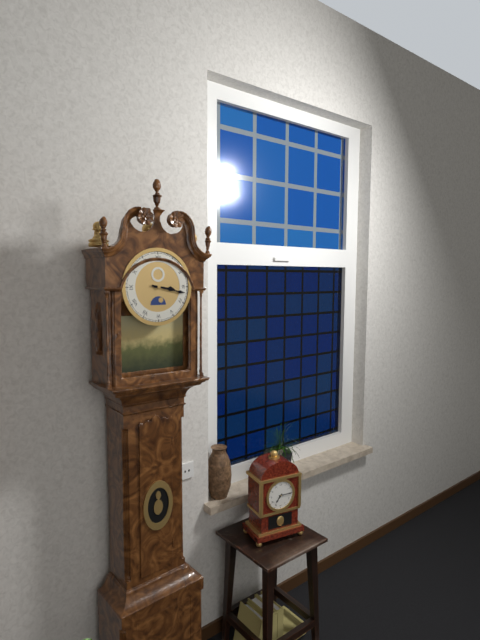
3:17
